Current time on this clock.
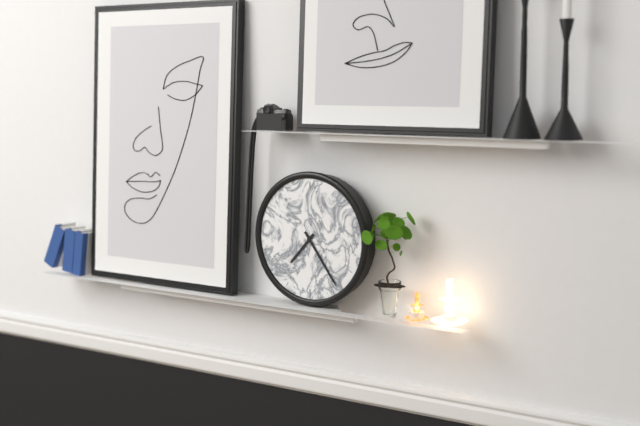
7:24
